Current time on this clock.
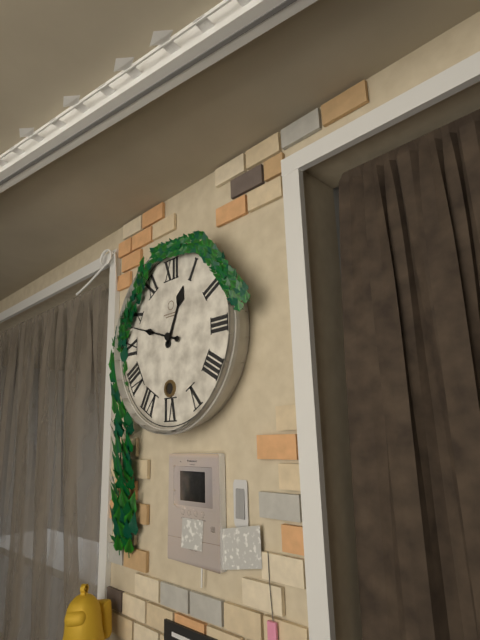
12:48
